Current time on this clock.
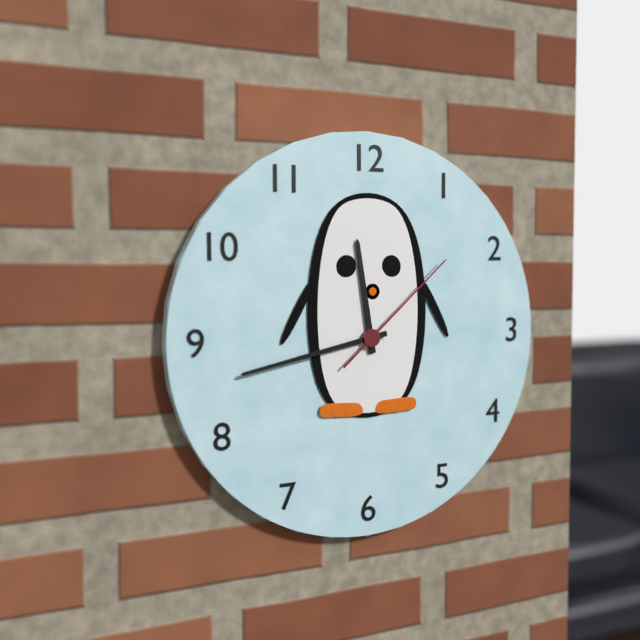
11:43:08
